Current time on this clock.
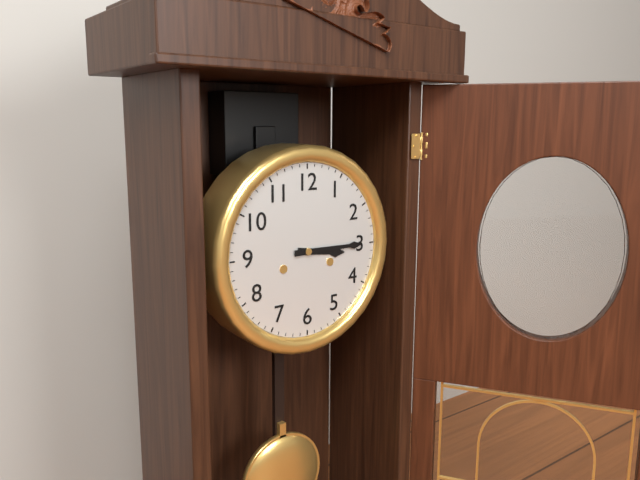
3:15
